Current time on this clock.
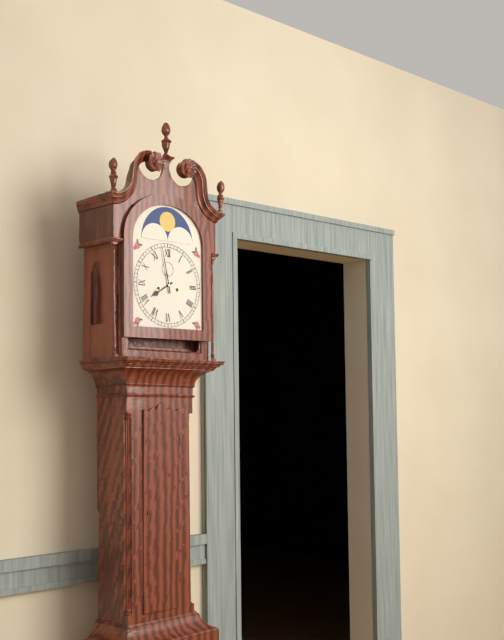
7:58
